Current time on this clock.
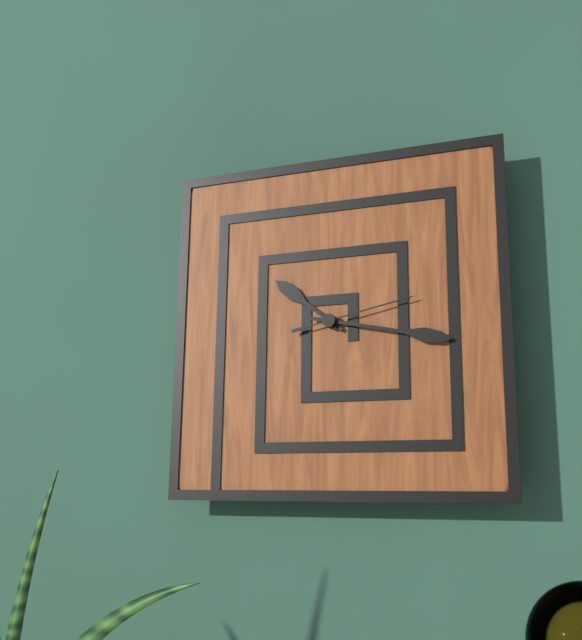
10:17:13
